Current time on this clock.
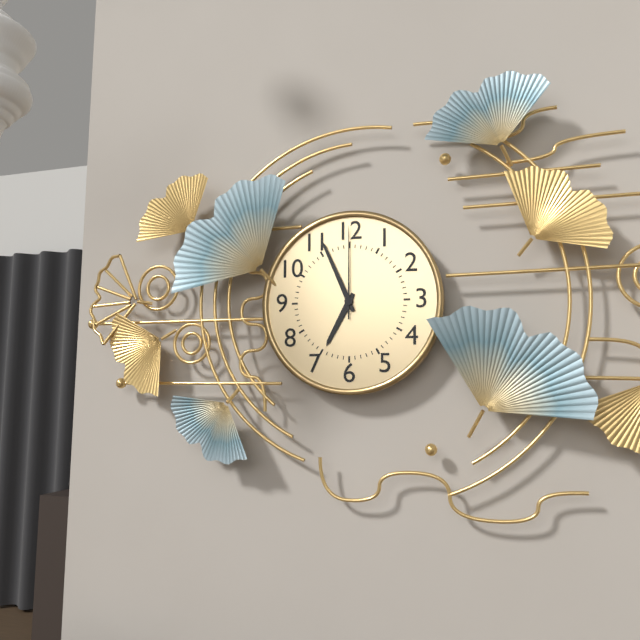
6:56:00
